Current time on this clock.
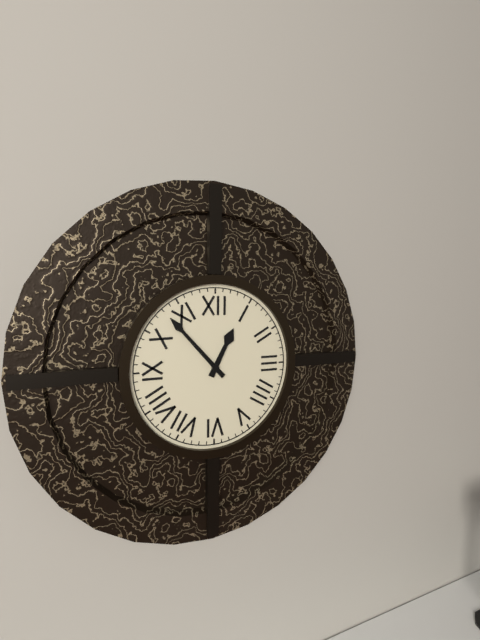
12:53
